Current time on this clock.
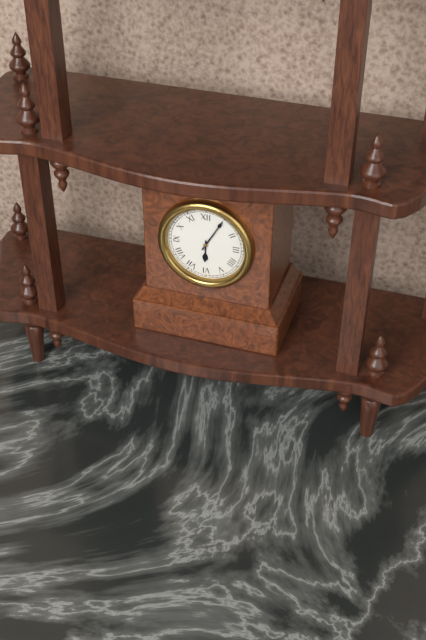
6:05
